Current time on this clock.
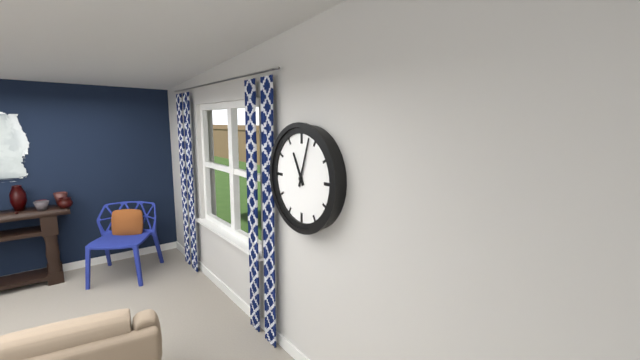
11:03
